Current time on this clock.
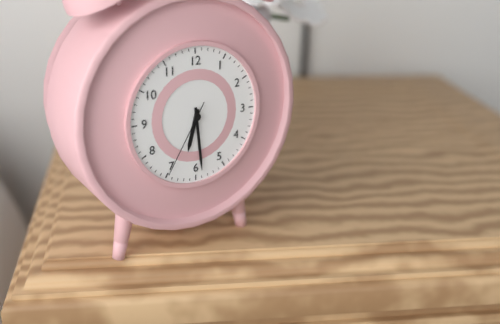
6:29:35
